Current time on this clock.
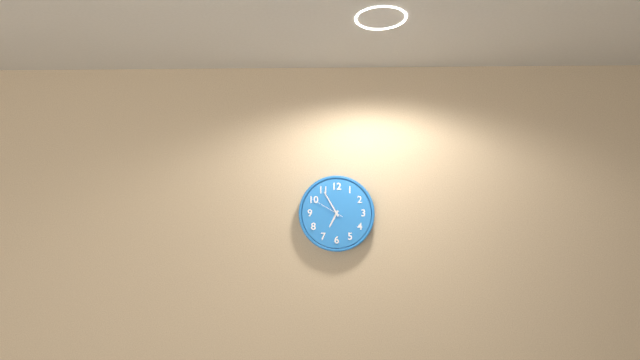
6:55
